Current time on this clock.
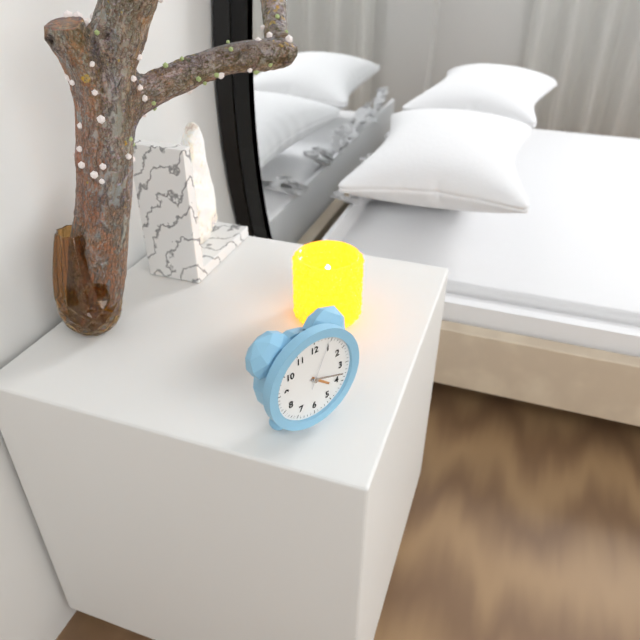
4:18:04
